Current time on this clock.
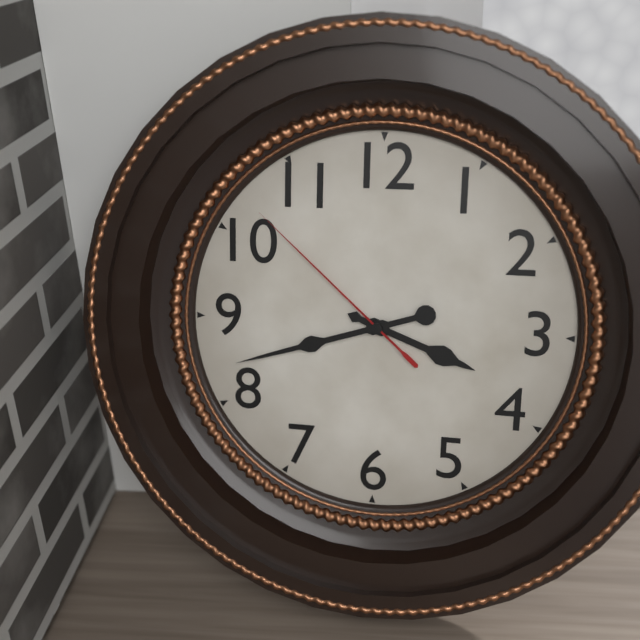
3:42:52
